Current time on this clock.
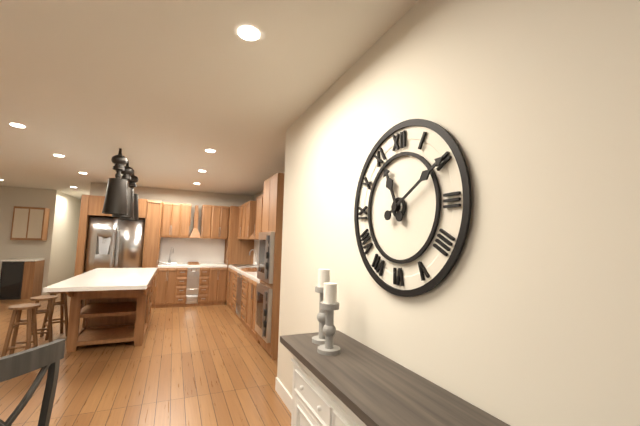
11:10
